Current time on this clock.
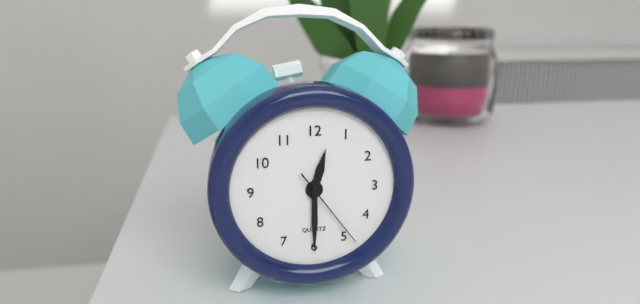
12:30:24
